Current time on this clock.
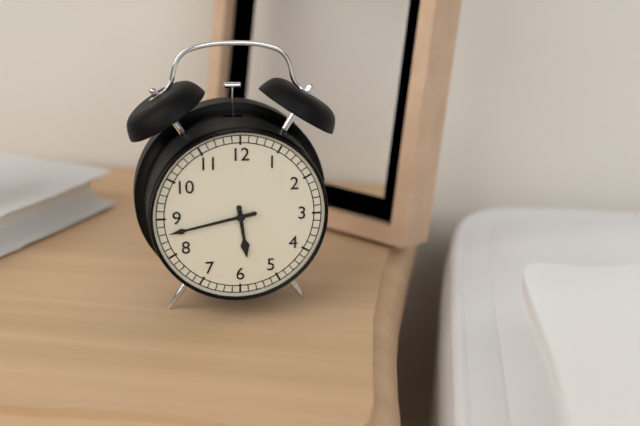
5:43
